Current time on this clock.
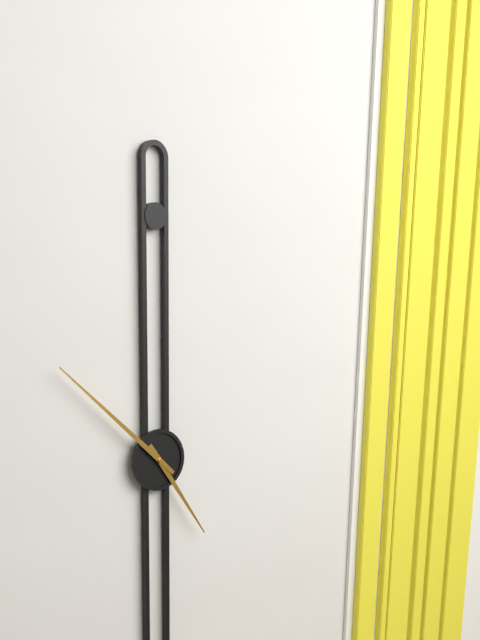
4:52
